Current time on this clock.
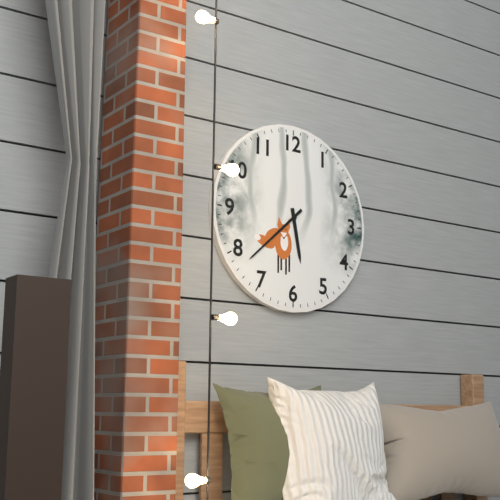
5:38
